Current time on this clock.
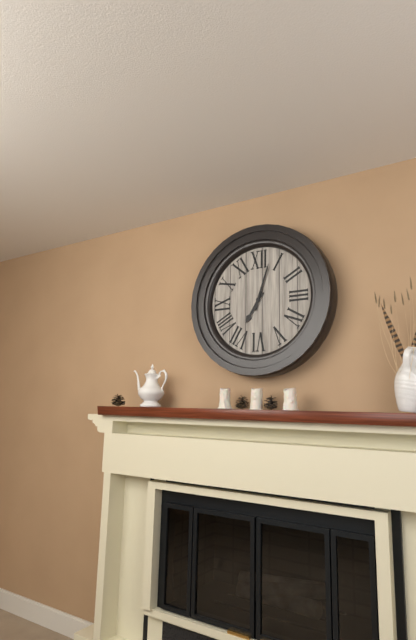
7:03
